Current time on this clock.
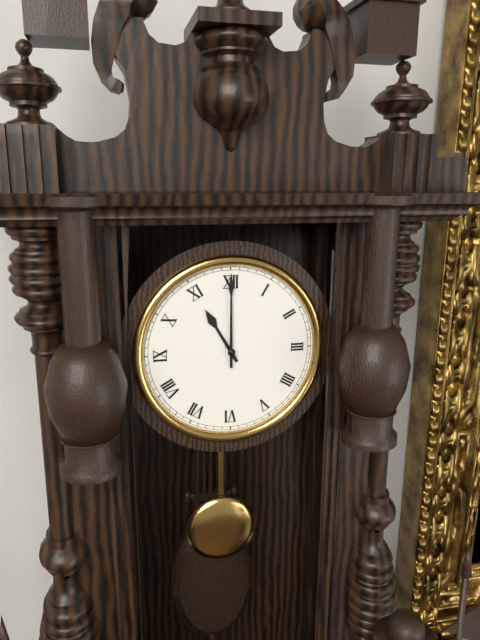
11:00
